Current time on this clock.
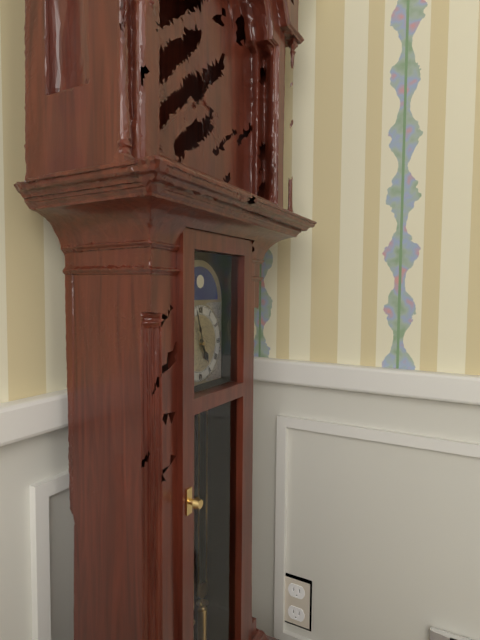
4:57
